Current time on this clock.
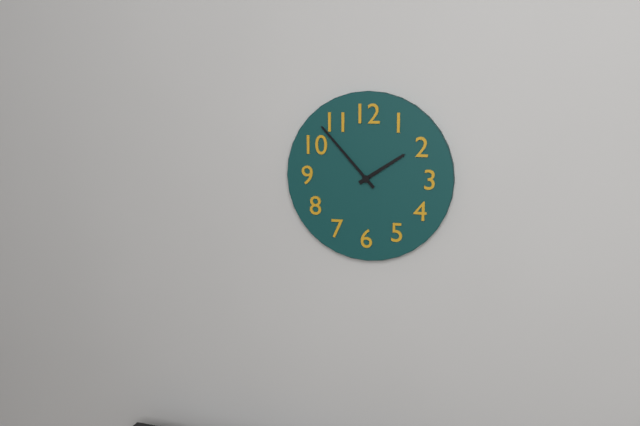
1:53
